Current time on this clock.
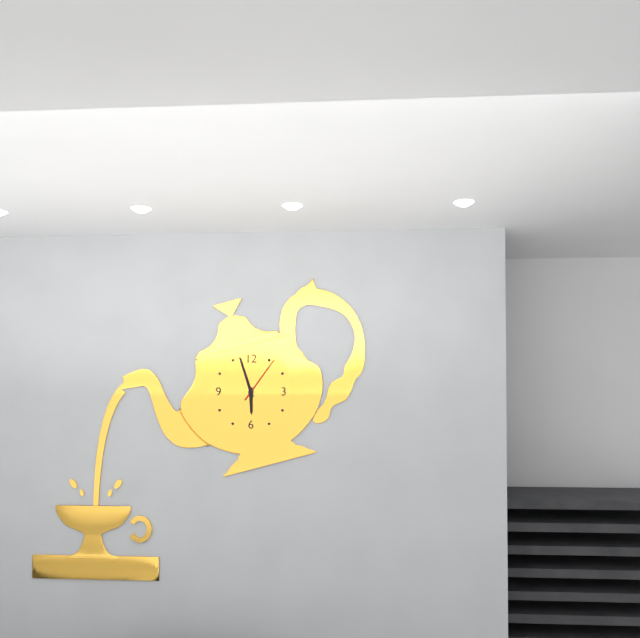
5:57
